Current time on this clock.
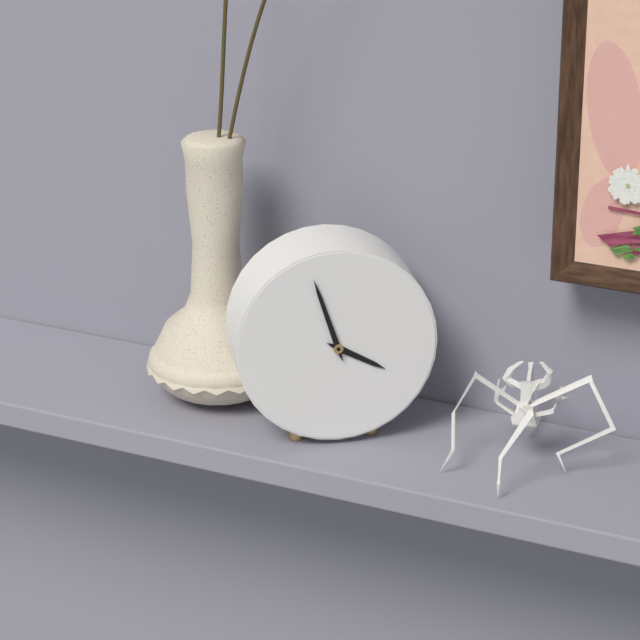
3:57
